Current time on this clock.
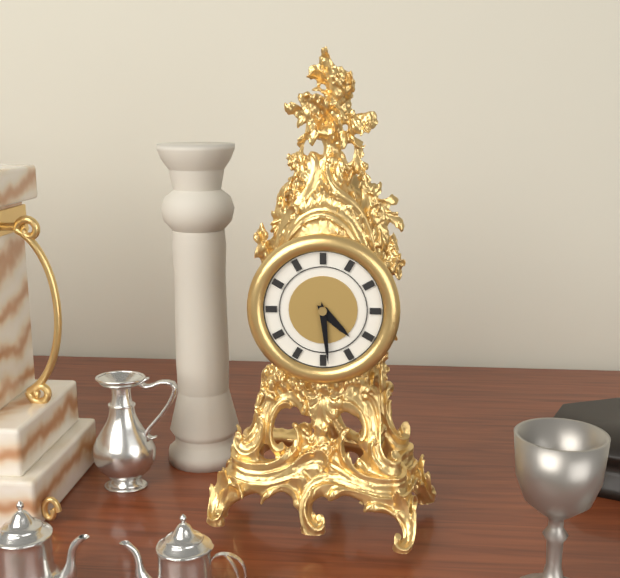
4:29
